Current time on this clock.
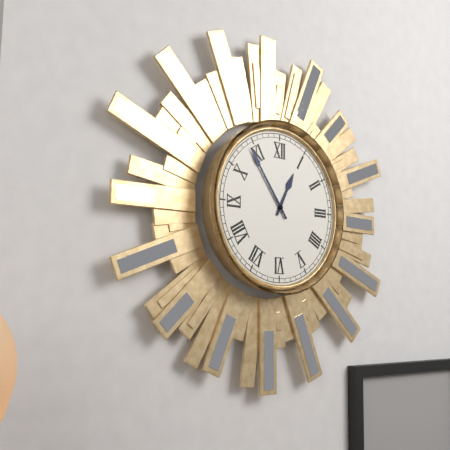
12:54
